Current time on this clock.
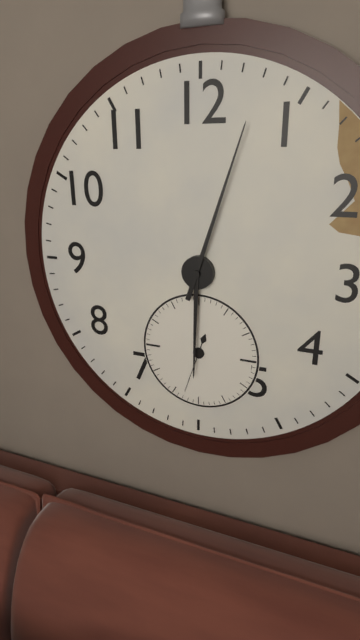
6:03:33
